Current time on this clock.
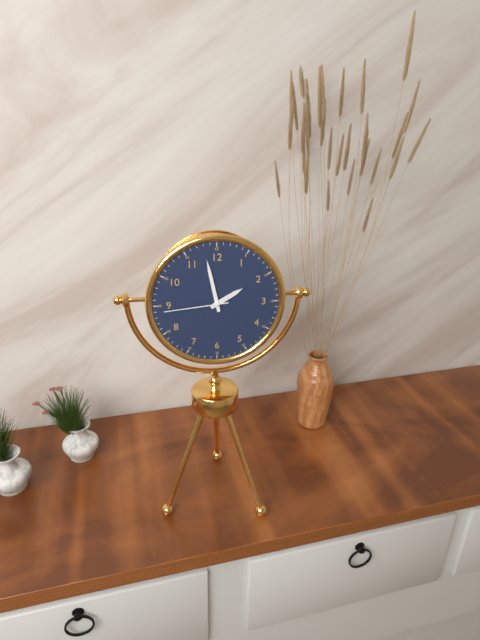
1:58:44
